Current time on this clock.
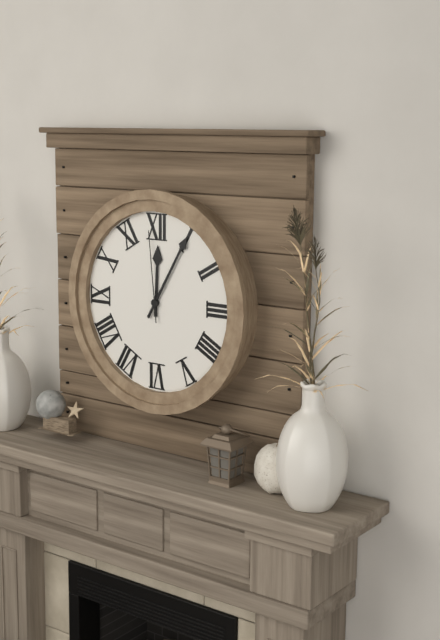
12:05:59
